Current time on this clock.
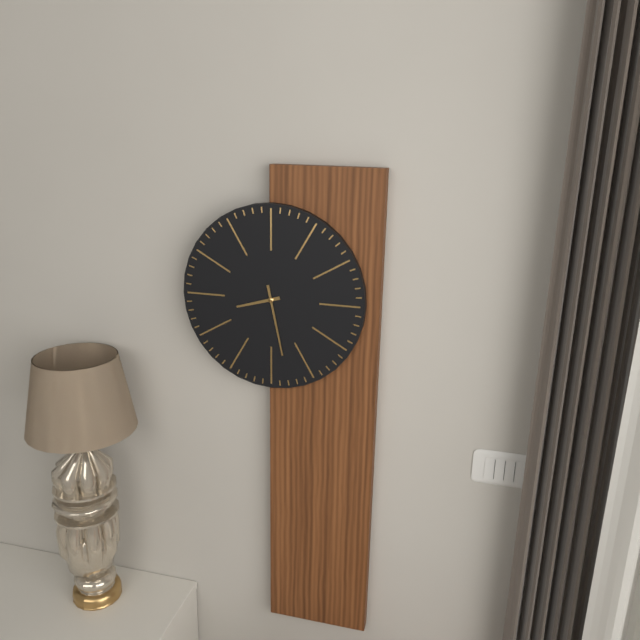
8:28
